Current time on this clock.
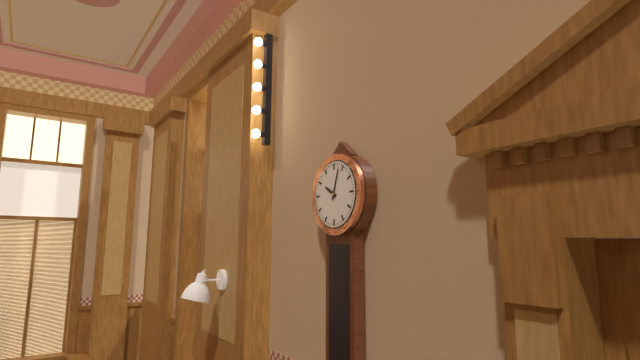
10:03
